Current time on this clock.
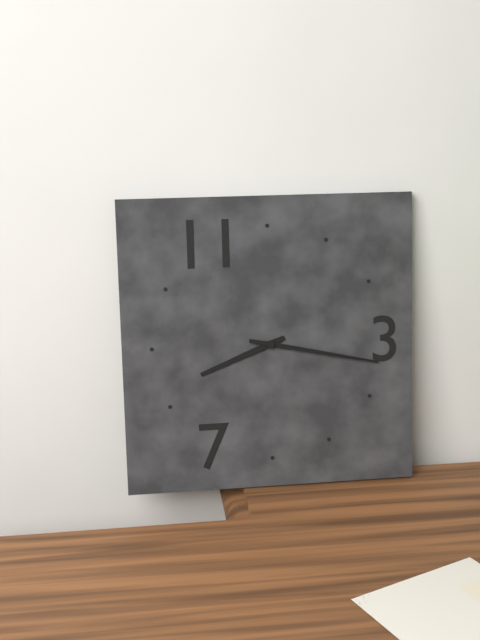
8:17
